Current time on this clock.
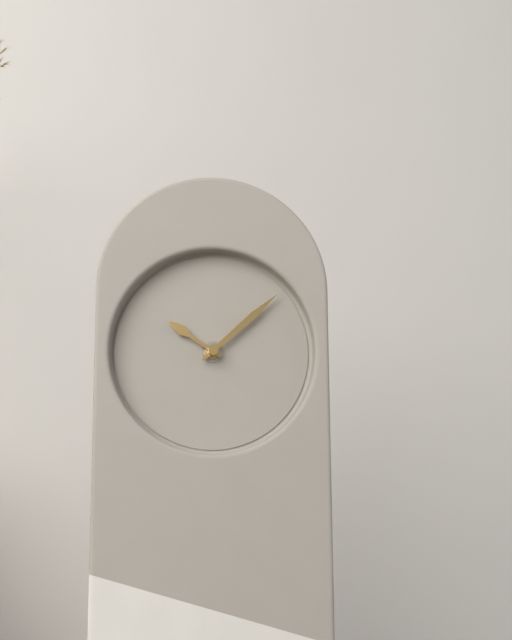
10:08
